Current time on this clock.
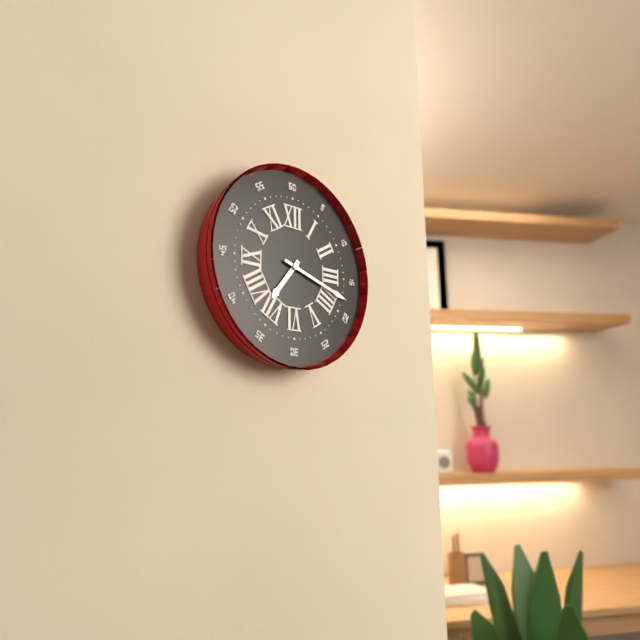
7:18
